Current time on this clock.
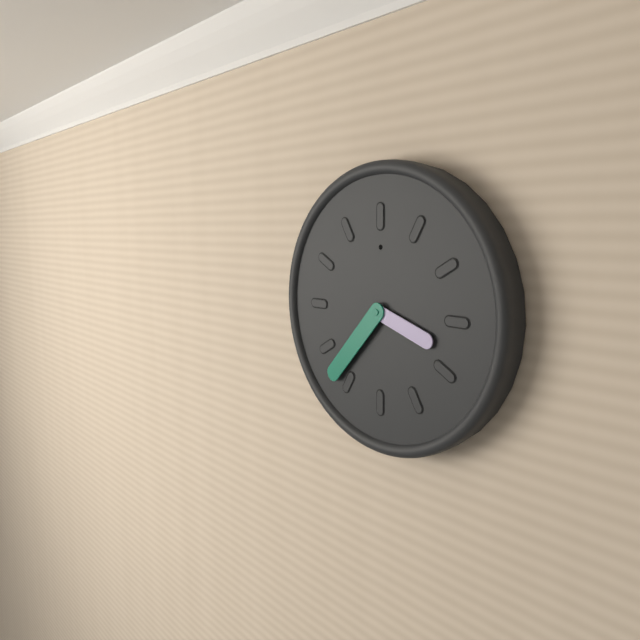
3:37
